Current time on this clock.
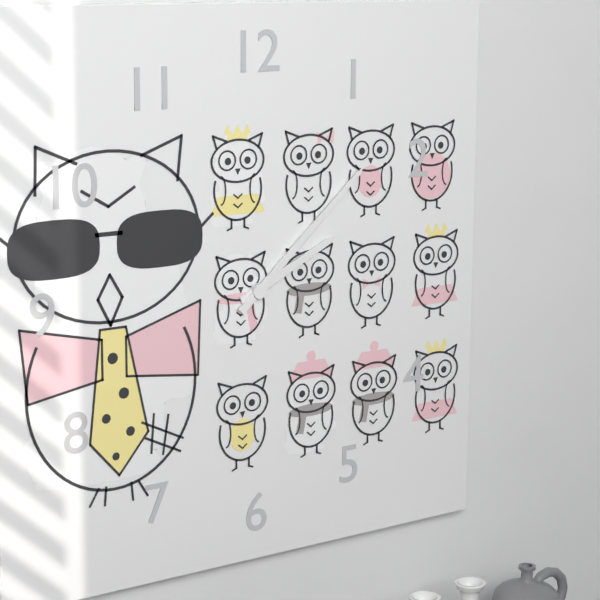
2:08
